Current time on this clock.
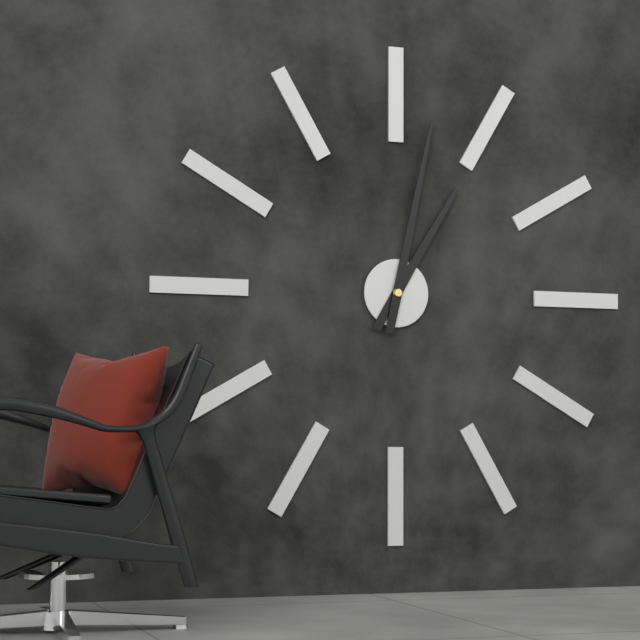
1:02
